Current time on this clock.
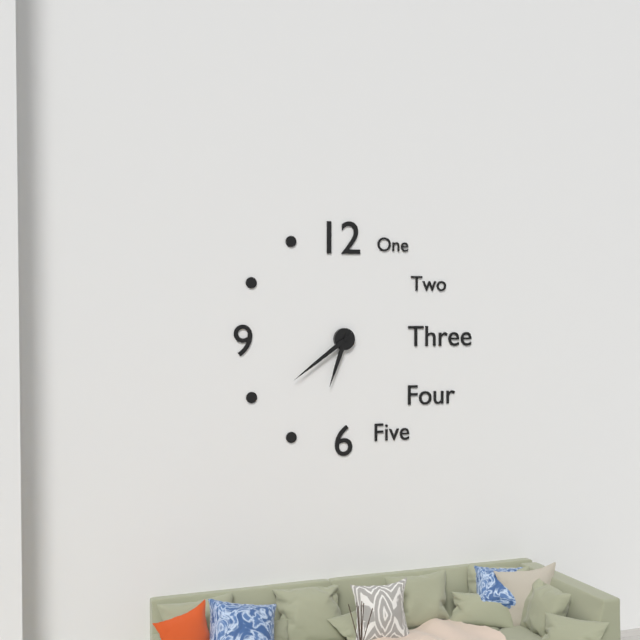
6:39
